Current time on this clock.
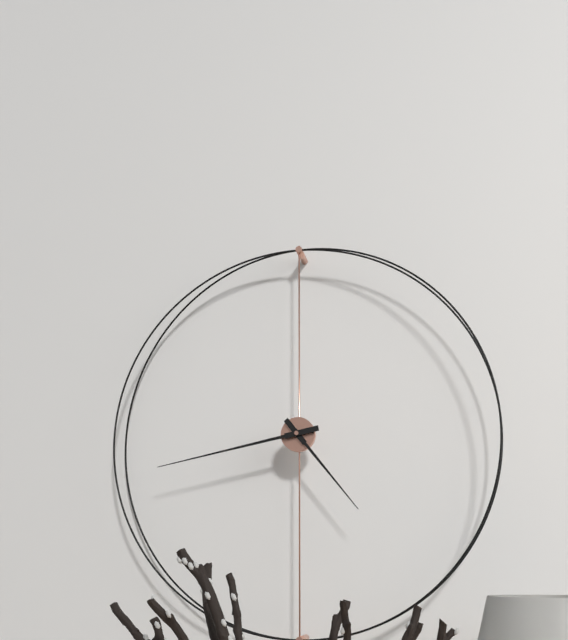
4:43
